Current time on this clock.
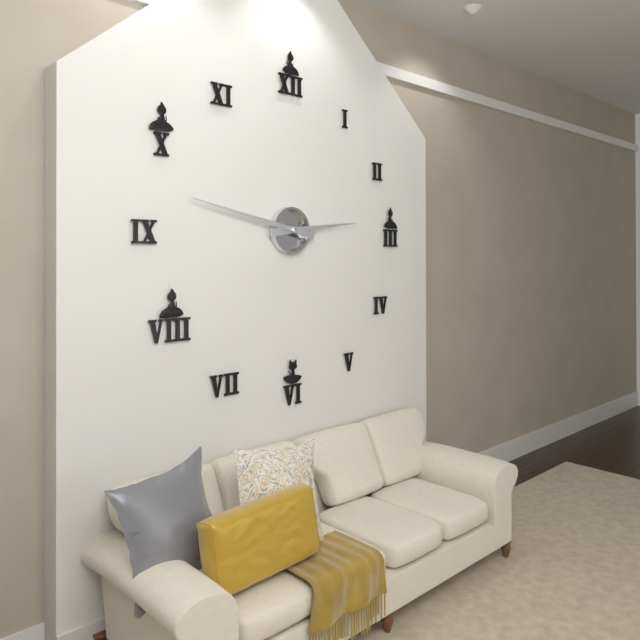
2:47
